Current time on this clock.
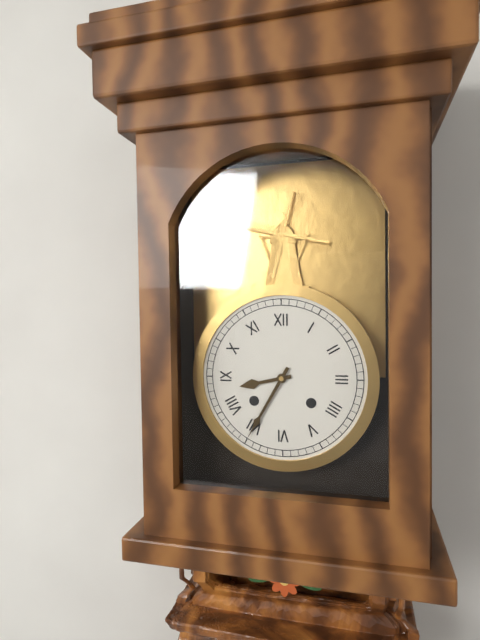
8:35
